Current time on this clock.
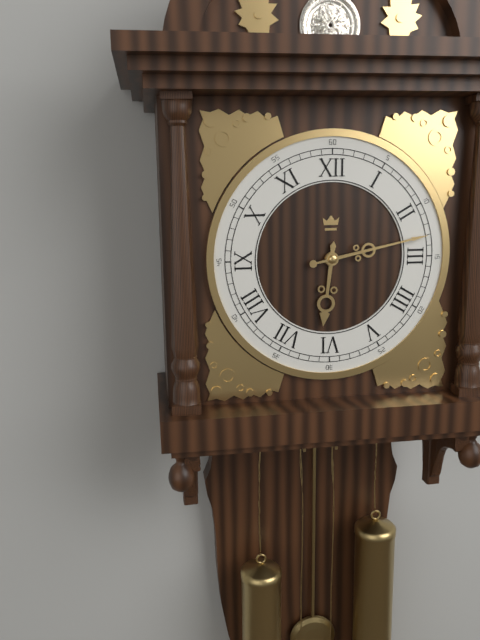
6:13
